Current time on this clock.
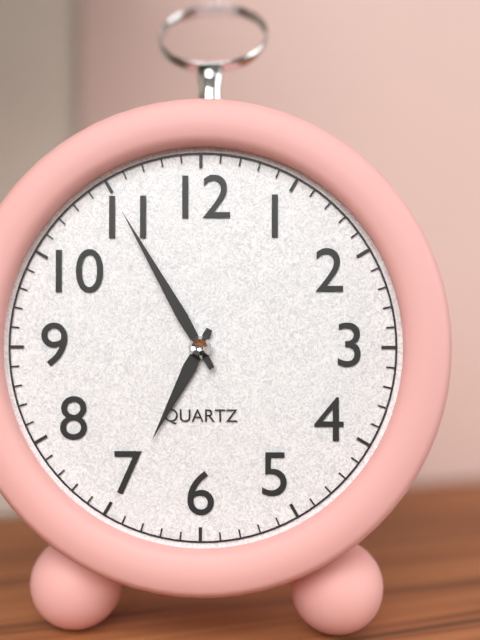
6:55
